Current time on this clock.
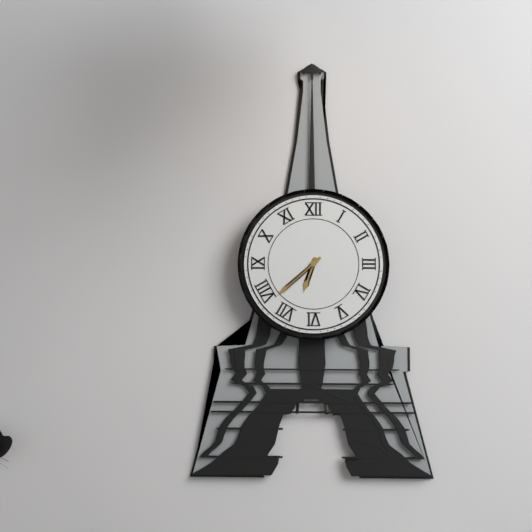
6:38
